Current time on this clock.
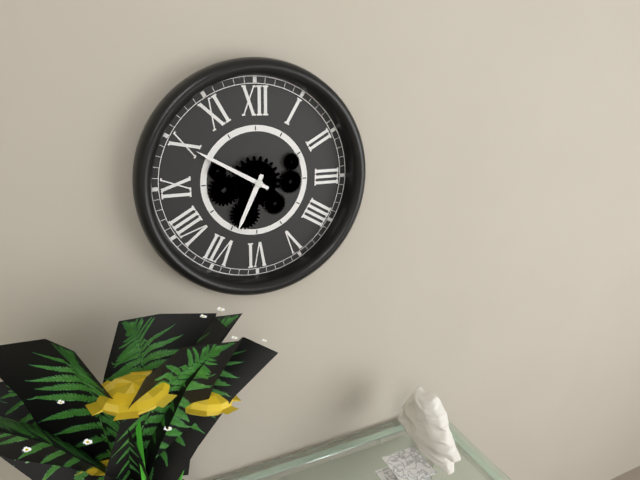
6:50
